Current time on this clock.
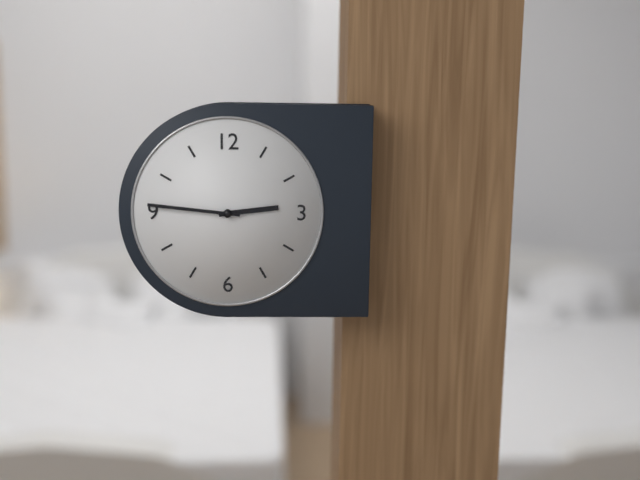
2:46
